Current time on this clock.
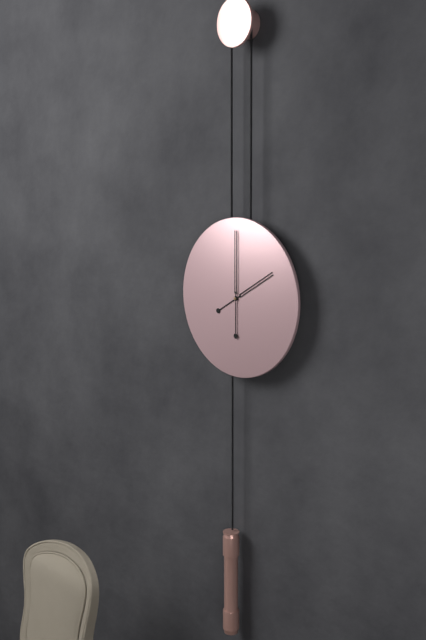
2:00
